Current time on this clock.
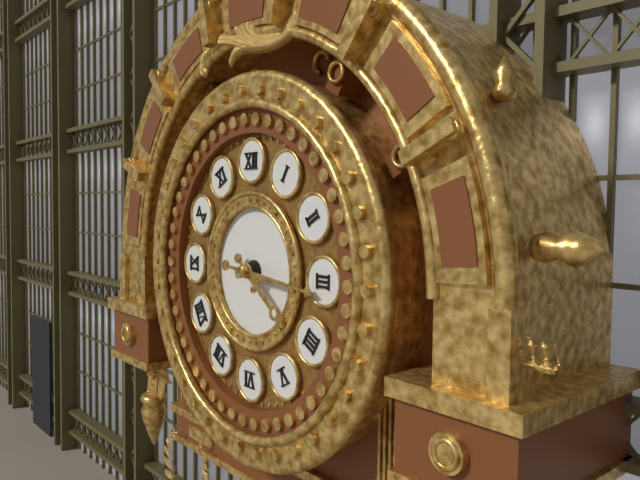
4:16
